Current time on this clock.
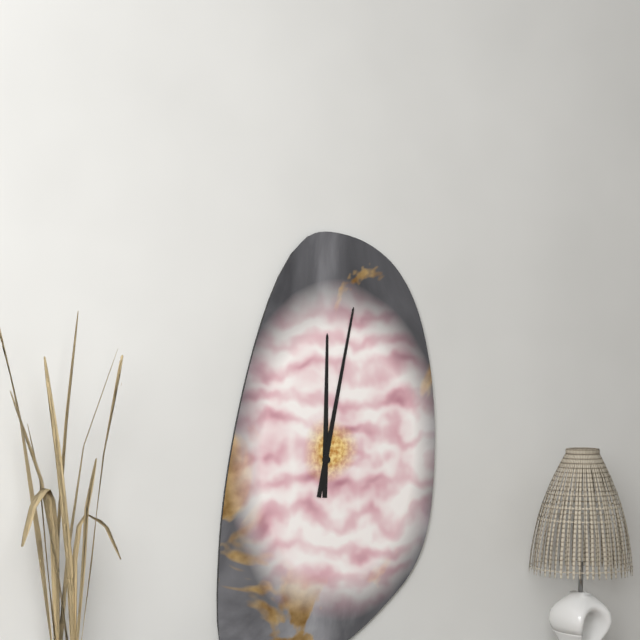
12:02
